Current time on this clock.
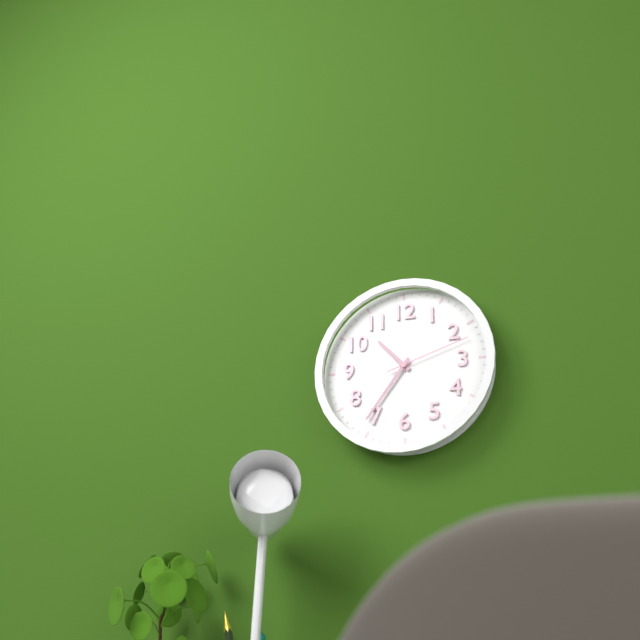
10:36:12
